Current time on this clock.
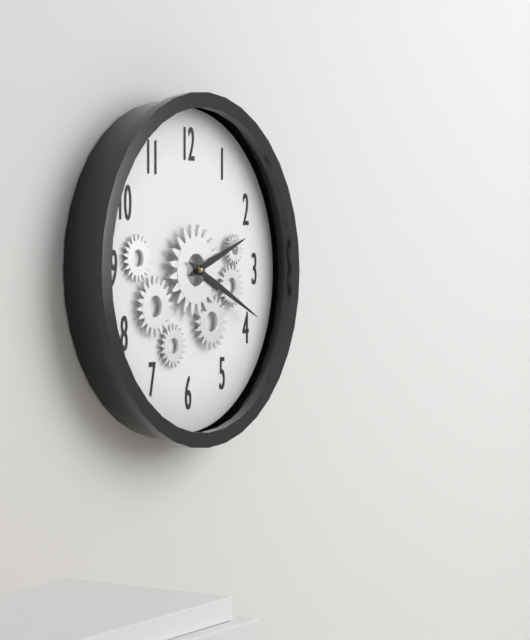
2:19
